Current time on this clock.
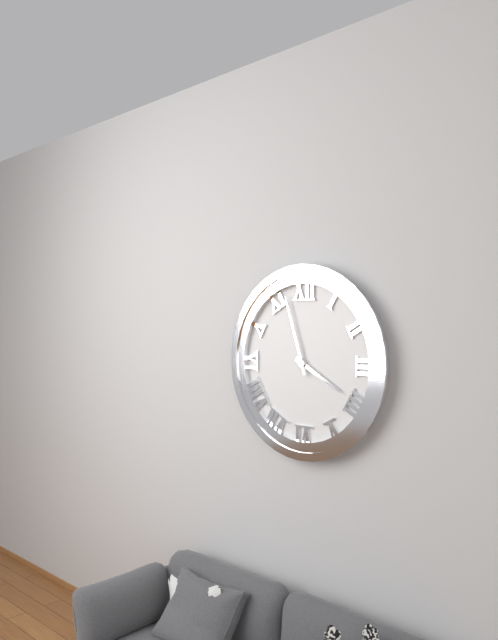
3:57
